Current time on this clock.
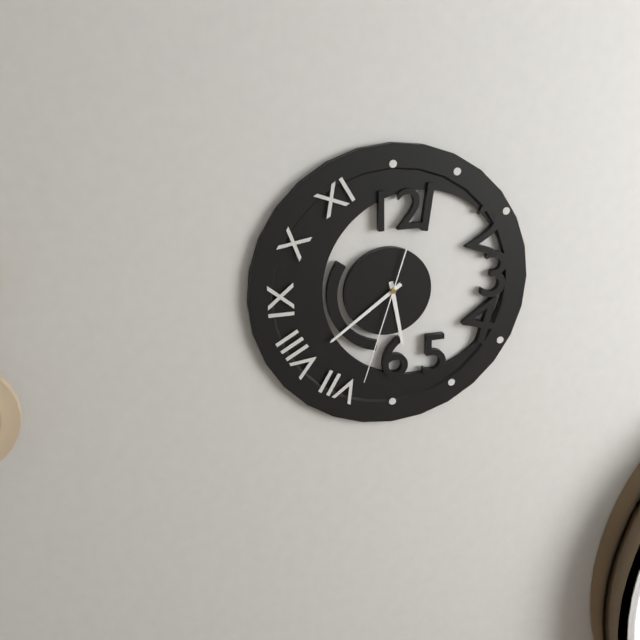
5:39:33
